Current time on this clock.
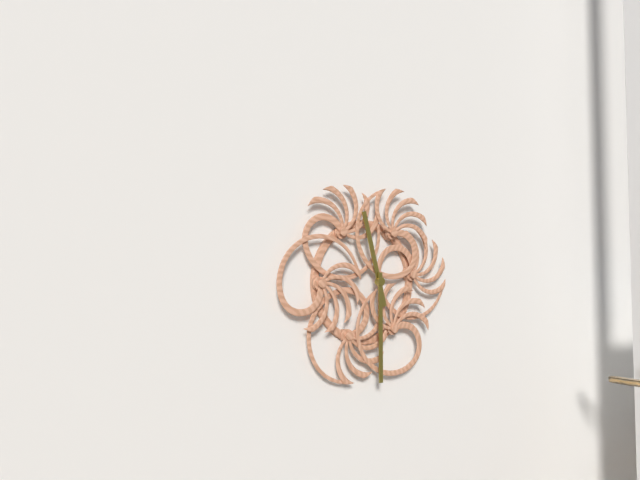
11:30
